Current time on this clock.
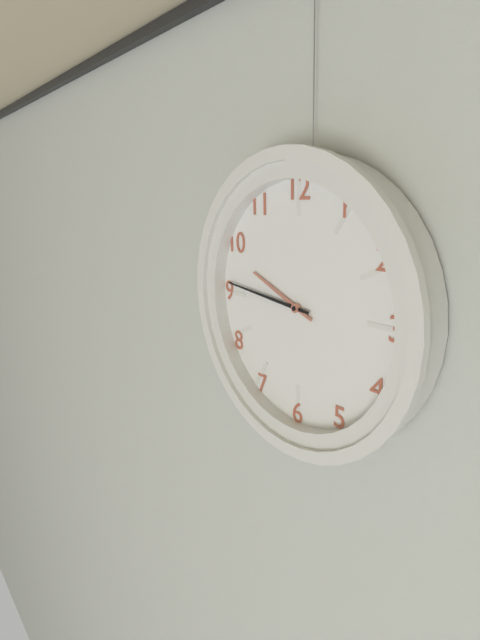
9:46
